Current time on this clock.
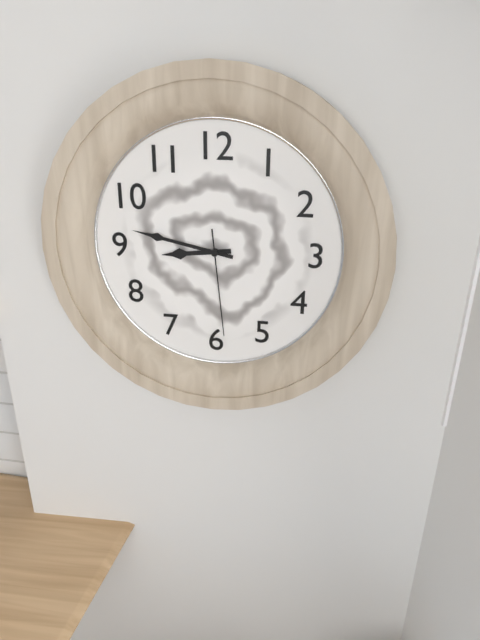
8:47:29
